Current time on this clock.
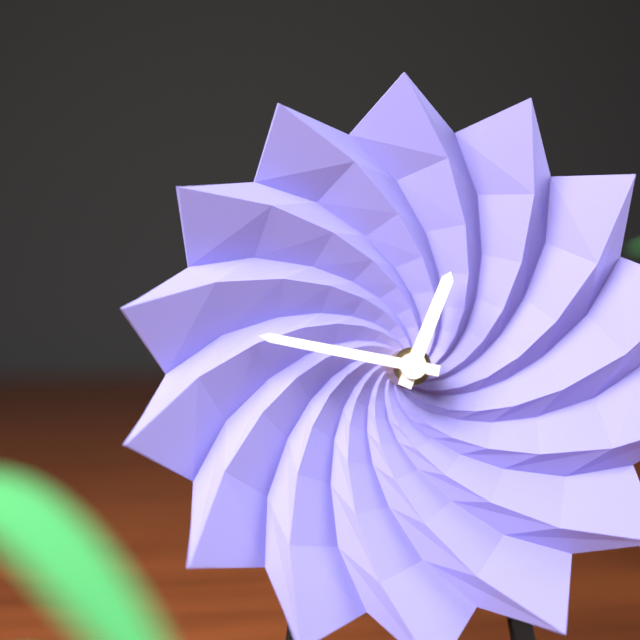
12:47
